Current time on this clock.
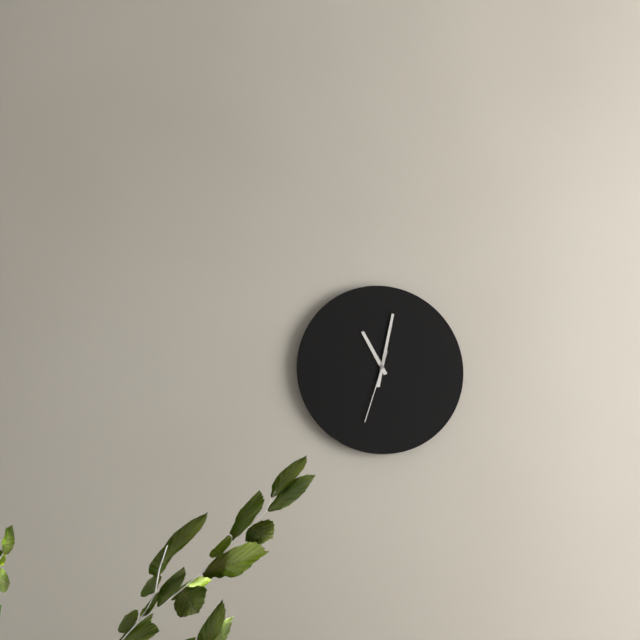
11:02:33
